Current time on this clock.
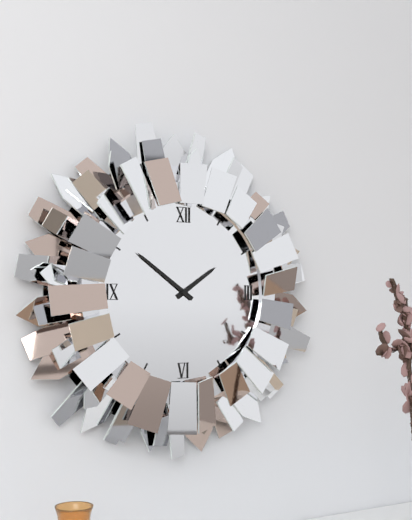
1:51
